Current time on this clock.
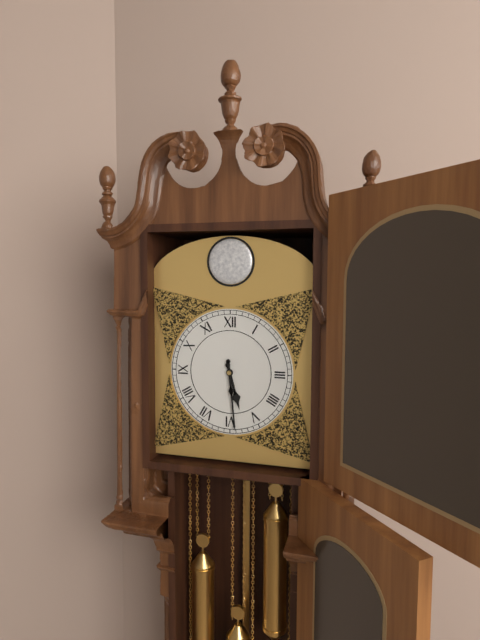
5:29
